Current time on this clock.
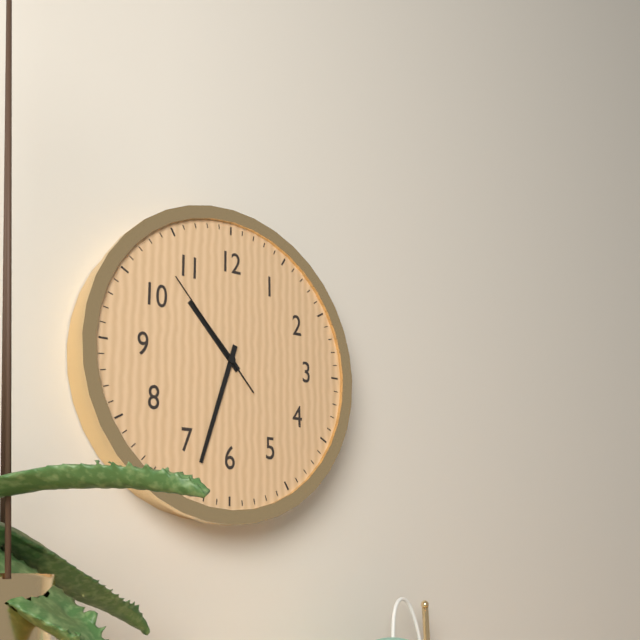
10:33:53
